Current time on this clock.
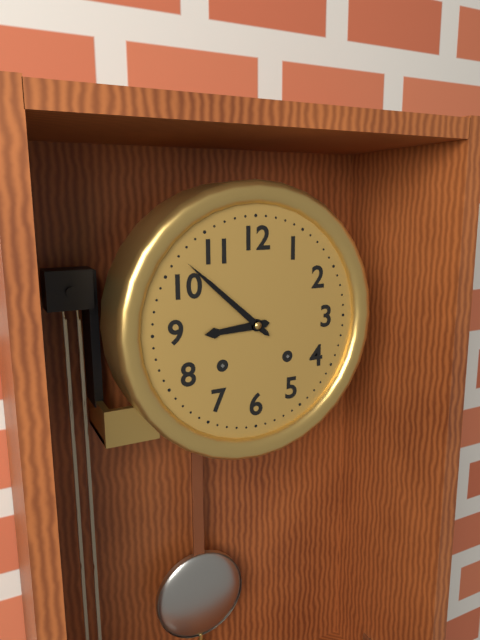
8:52
